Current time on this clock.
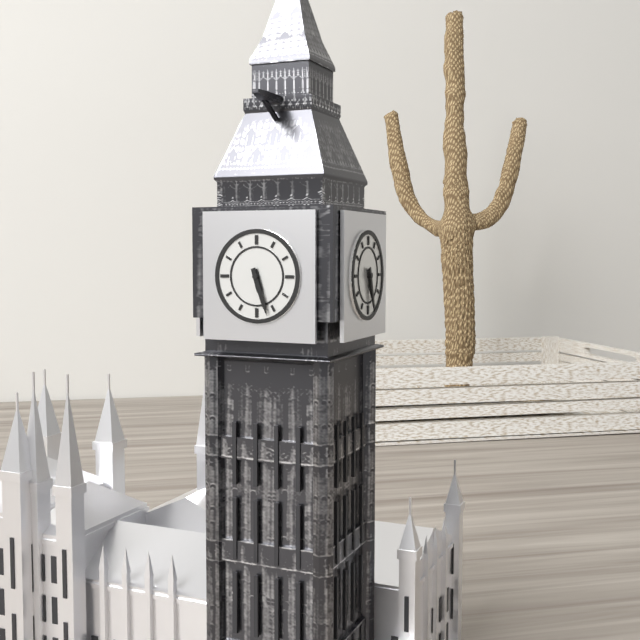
5:27
